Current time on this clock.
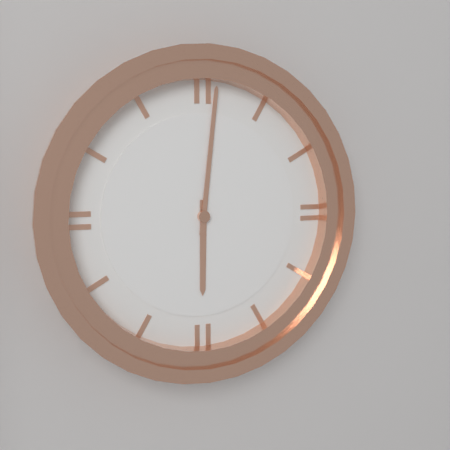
6:01
